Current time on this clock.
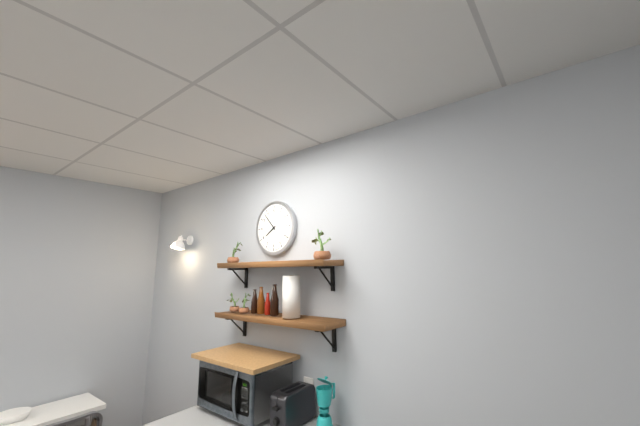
7:53
